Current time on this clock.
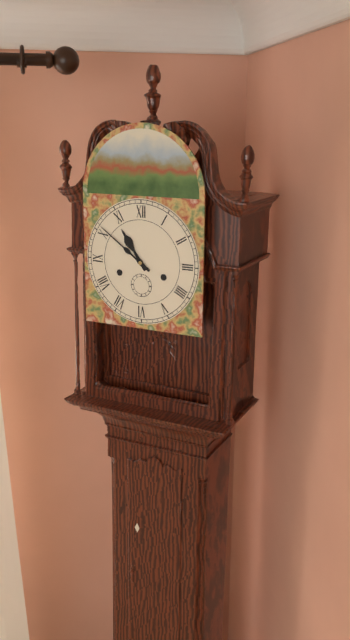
10:51
